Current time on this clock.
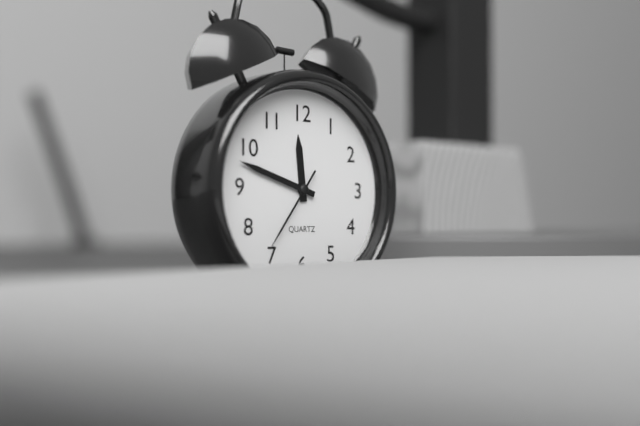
11:48:36
